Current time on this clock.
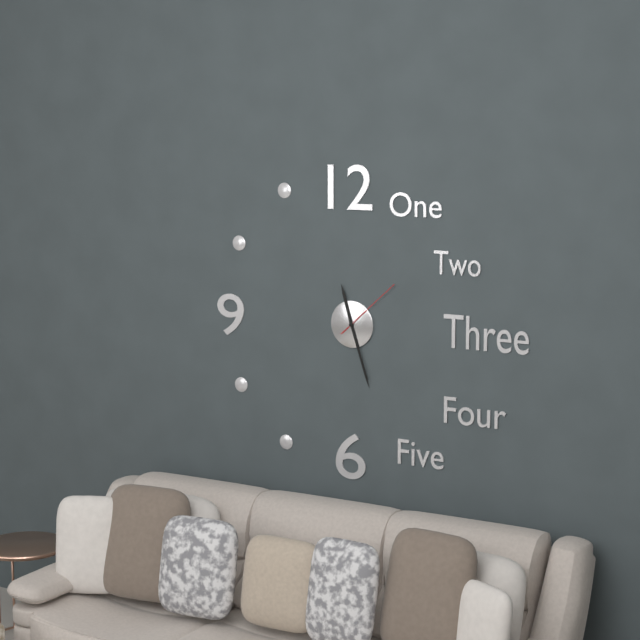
11:27:08
